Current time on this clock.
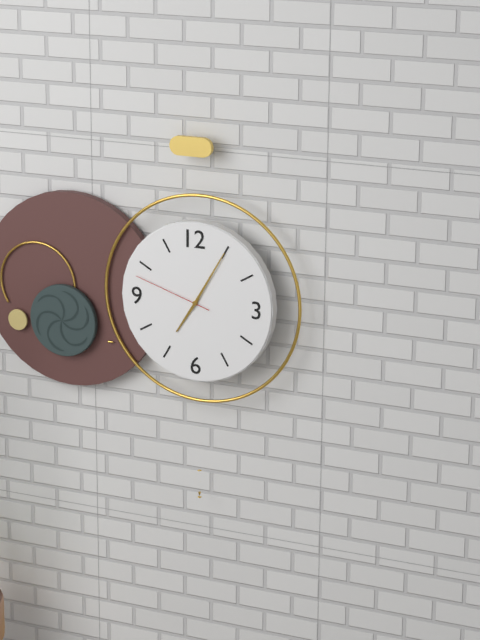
7:05:48
